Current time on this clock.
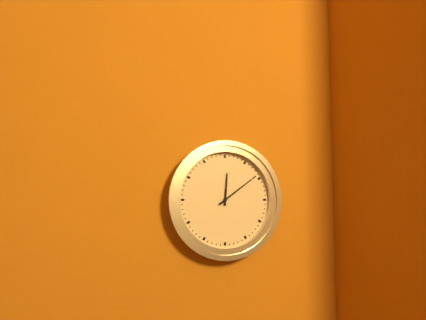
12:09
